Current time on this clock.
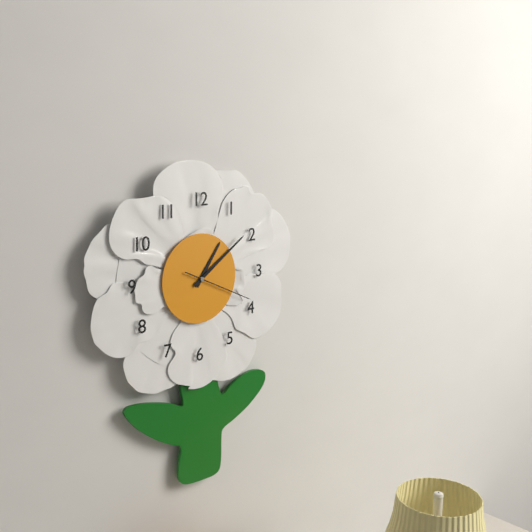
1:09:19
